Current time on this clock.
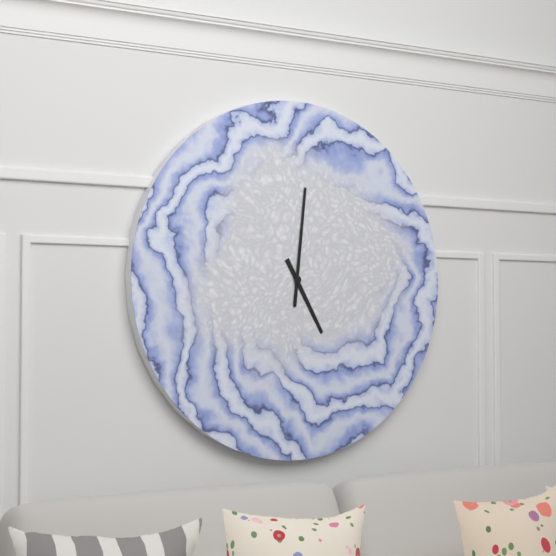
5:01
